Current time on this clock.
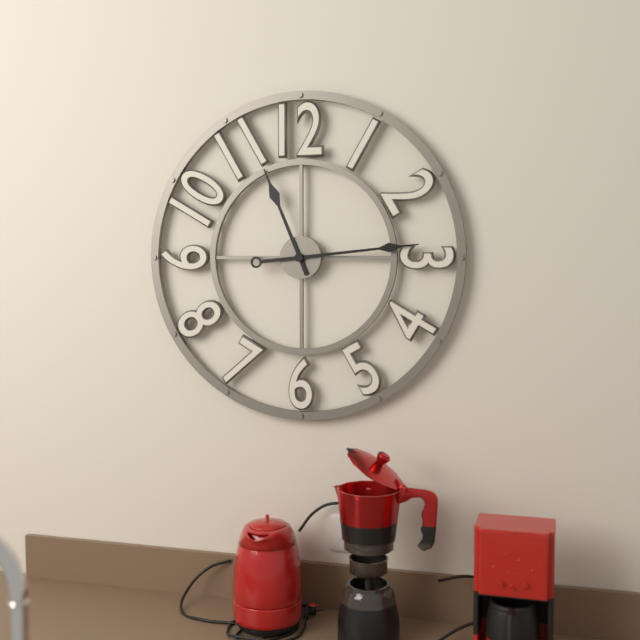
11:14
